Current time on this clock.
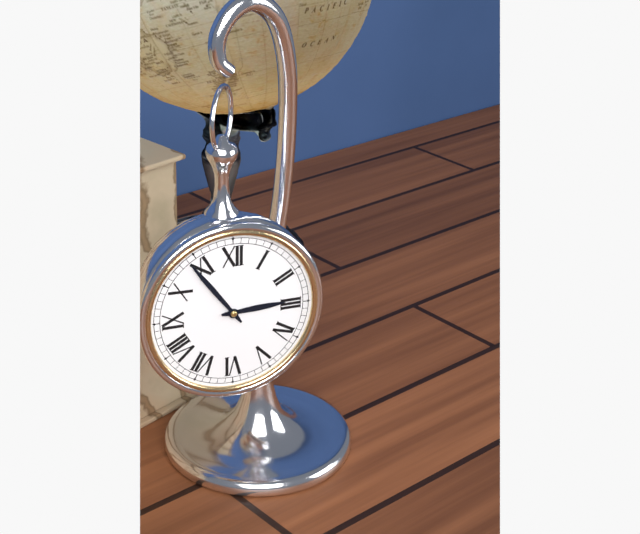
2:54
